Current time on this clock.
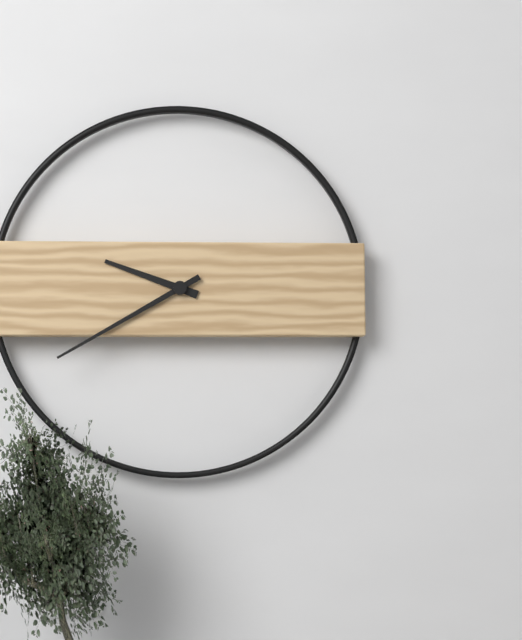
9:40
